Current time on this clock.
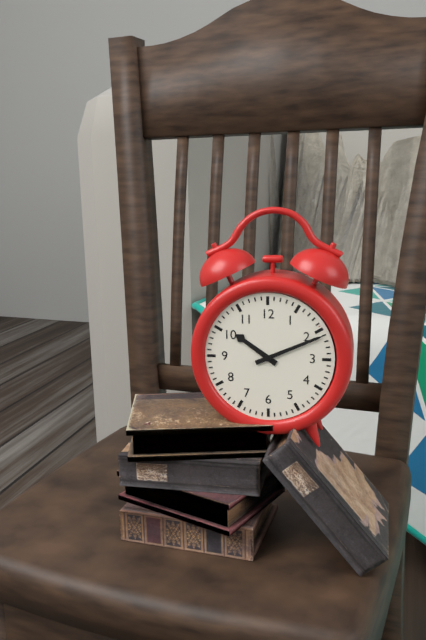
10:11
